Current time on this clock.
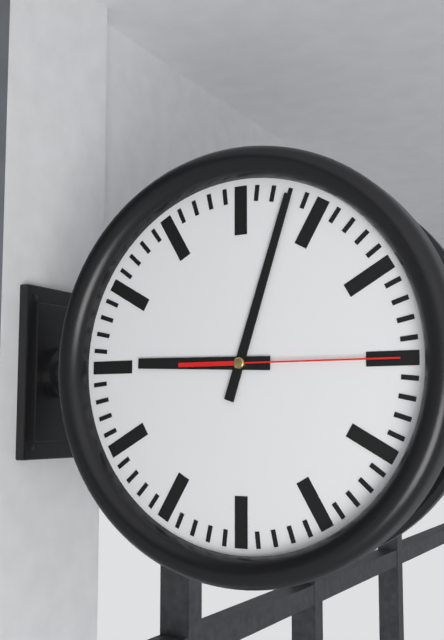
9:03:15
